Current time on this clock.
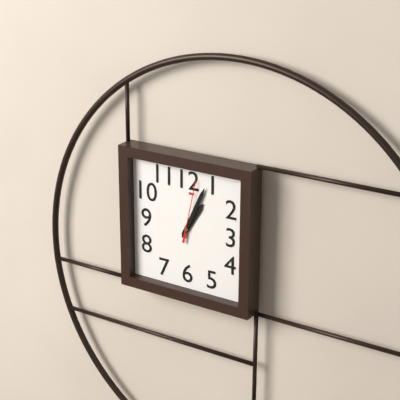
1:04:02
